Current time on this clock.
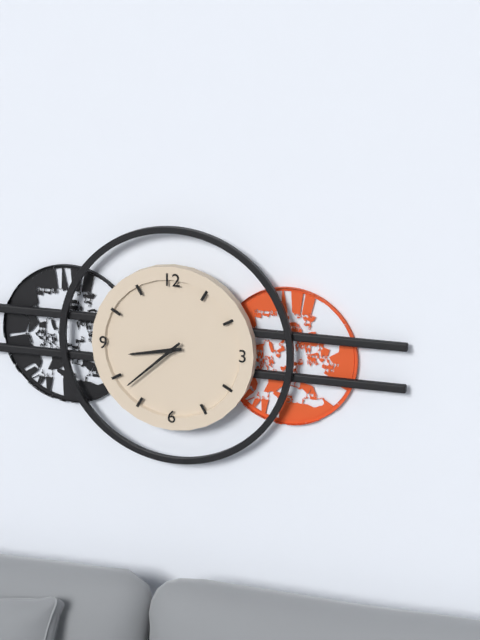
8:38
